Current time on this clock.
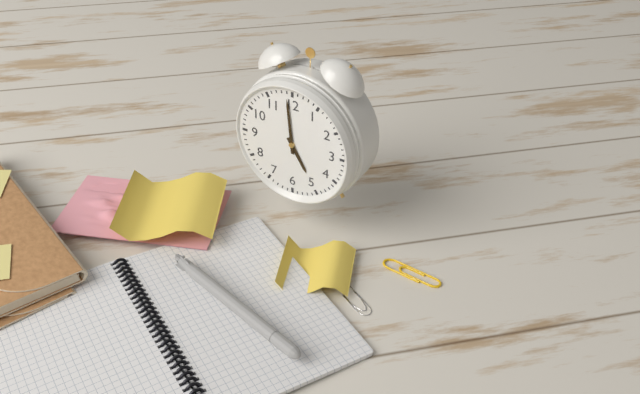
4:59
